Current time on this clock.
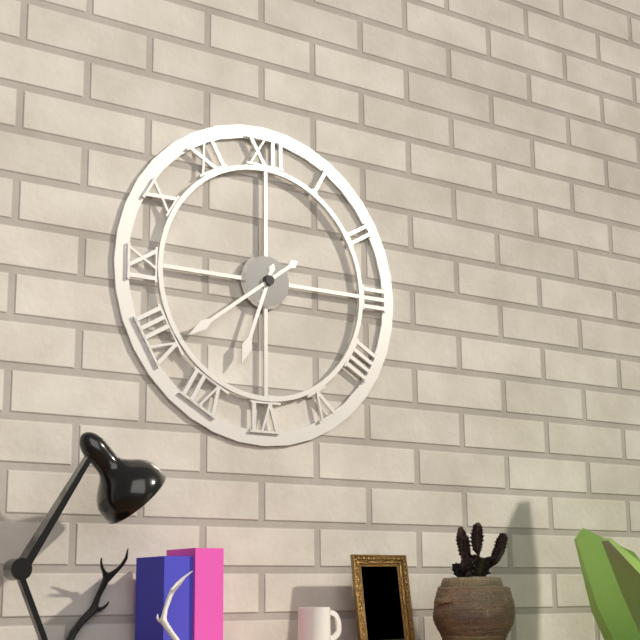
6:39
